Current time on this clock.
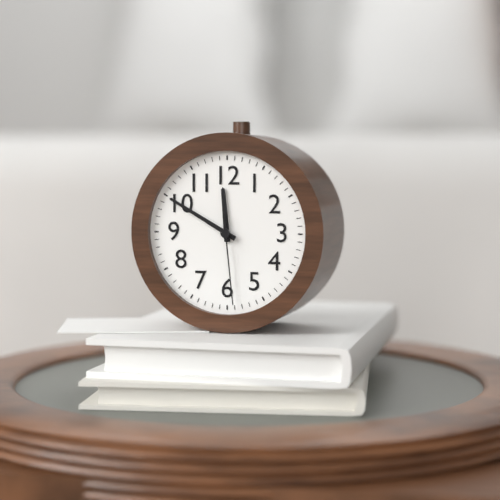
11:50:29
